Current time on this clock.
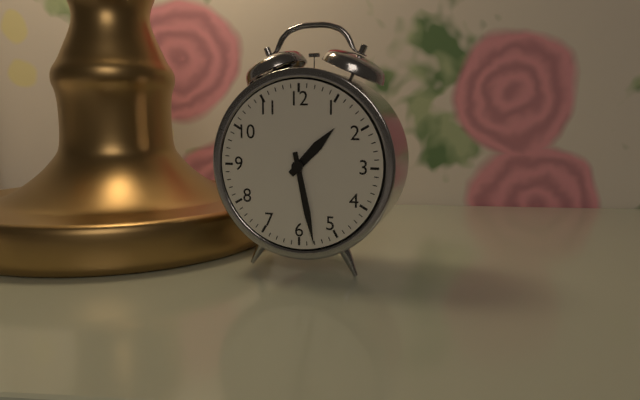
1:28
